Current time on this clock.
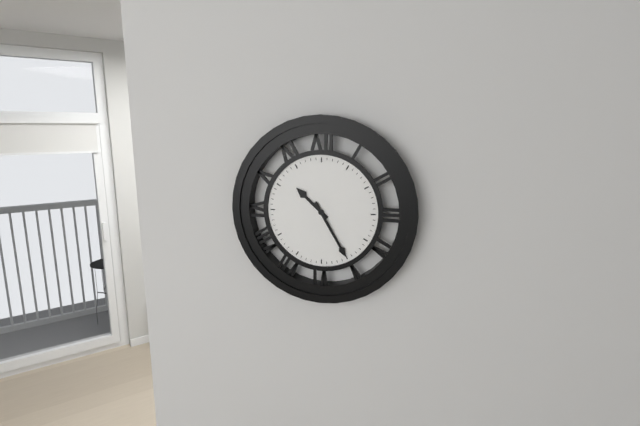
10:25
